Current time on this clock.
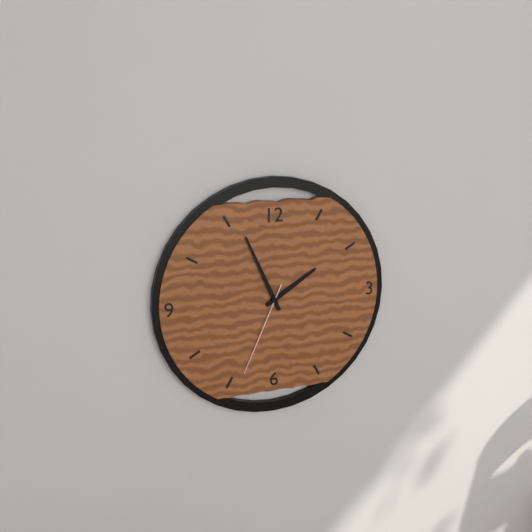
1:56:34
